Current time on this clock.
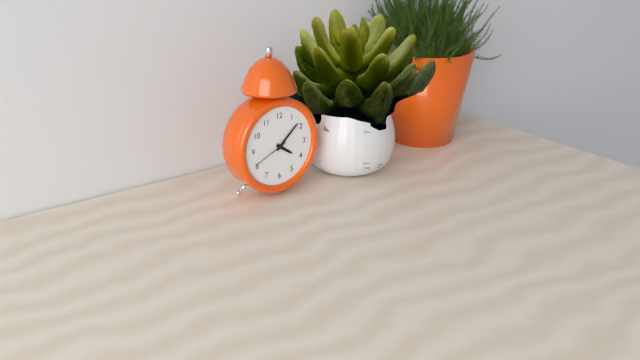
4:08
